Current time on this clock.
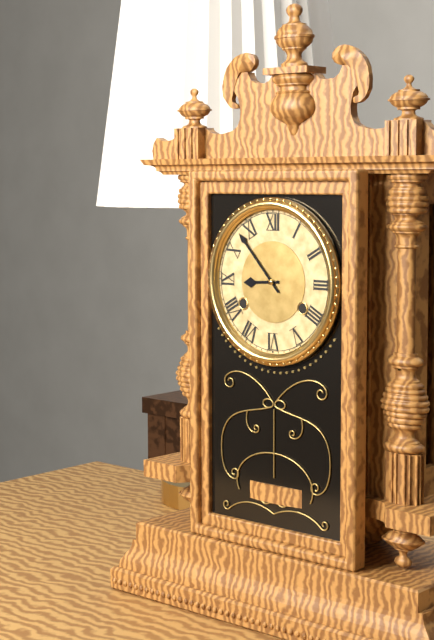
8:53
